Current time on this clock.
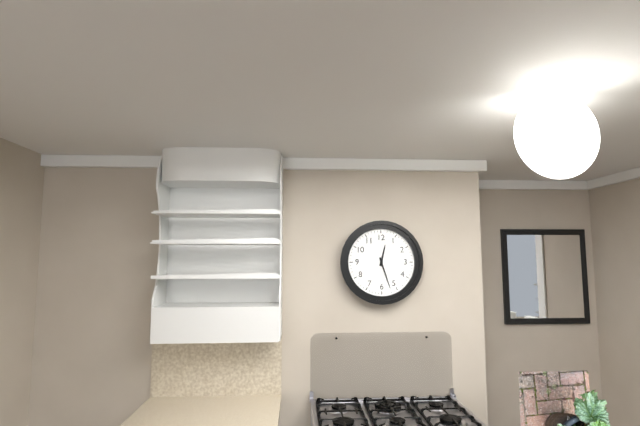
12:27
